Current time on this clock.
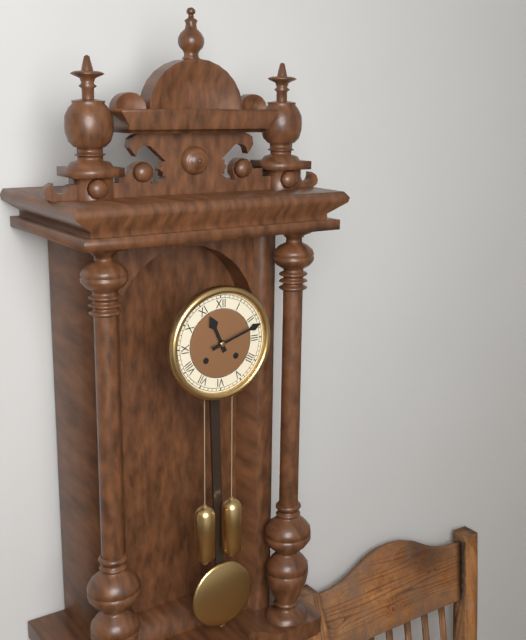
11:12
